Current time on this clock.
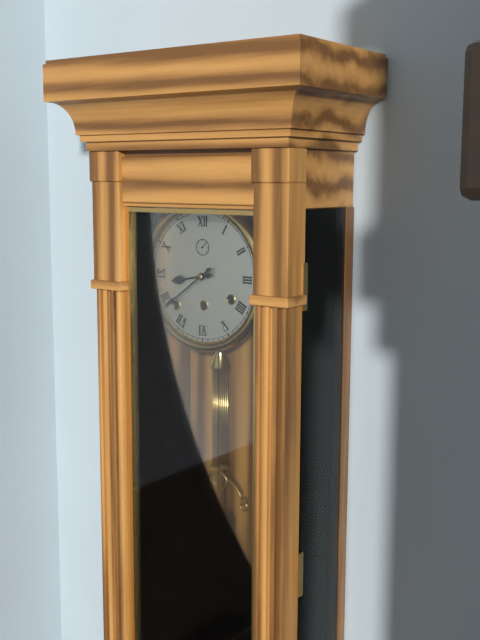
8:39
